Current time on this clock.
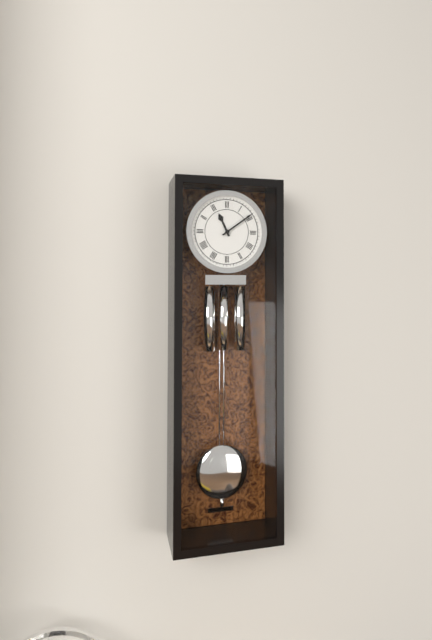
11:09
